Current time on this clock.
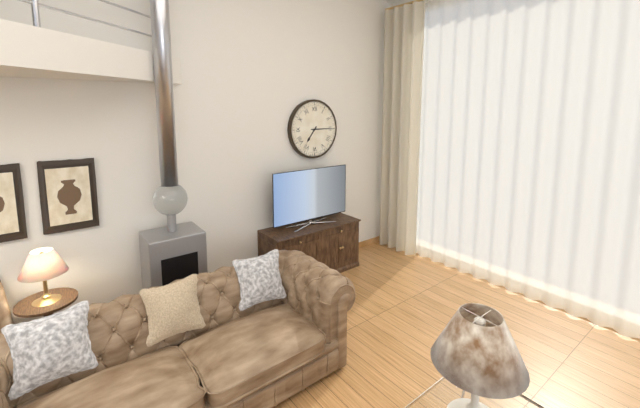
7:15
